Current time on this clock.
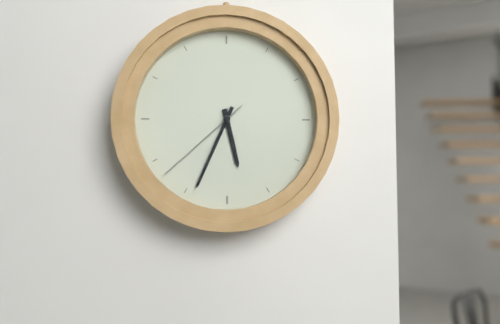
5:34:38
